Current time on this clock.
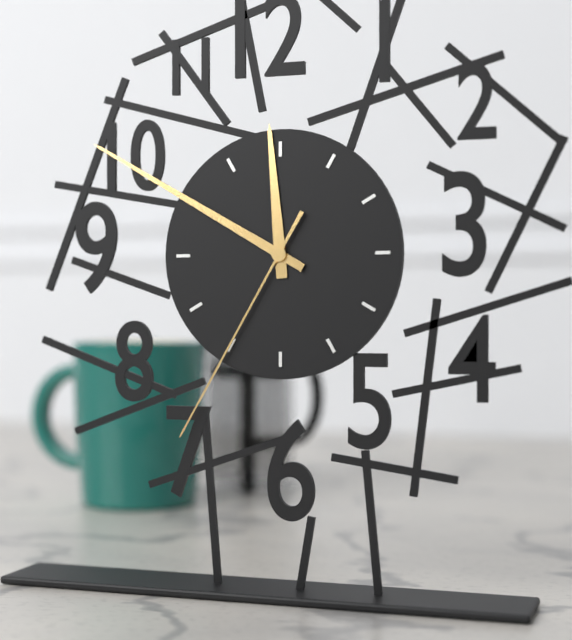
11:50:35
